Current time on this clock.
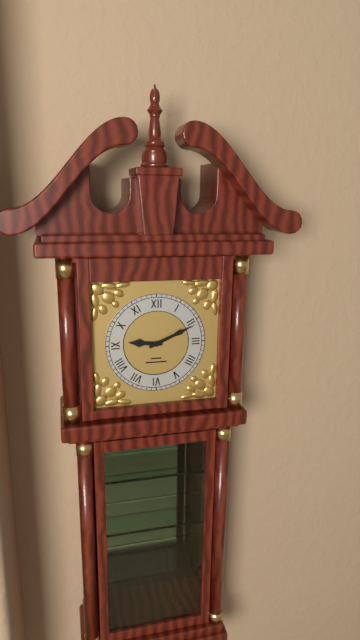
9:11
